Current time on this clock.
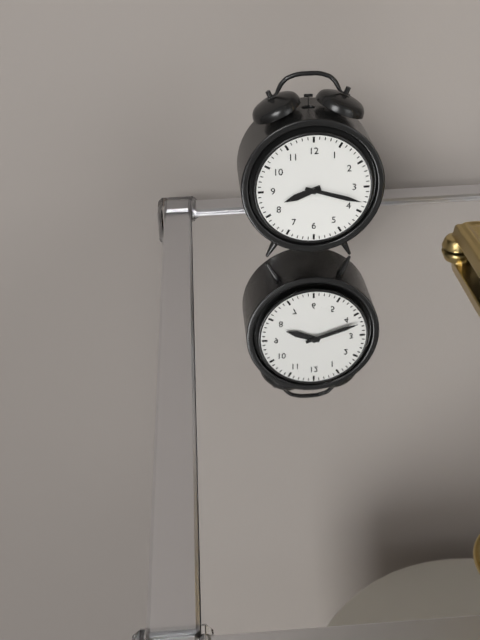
8:18
